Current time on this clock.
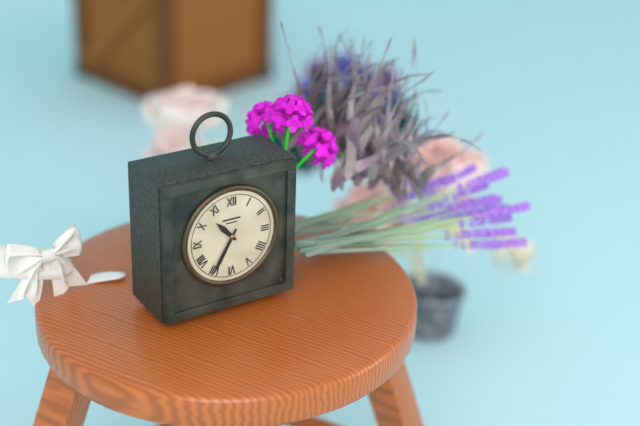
10:35
